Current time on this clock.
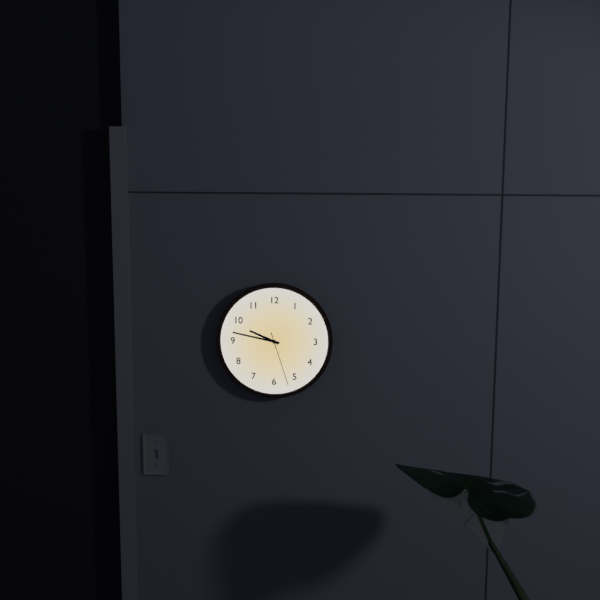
9:47:27
